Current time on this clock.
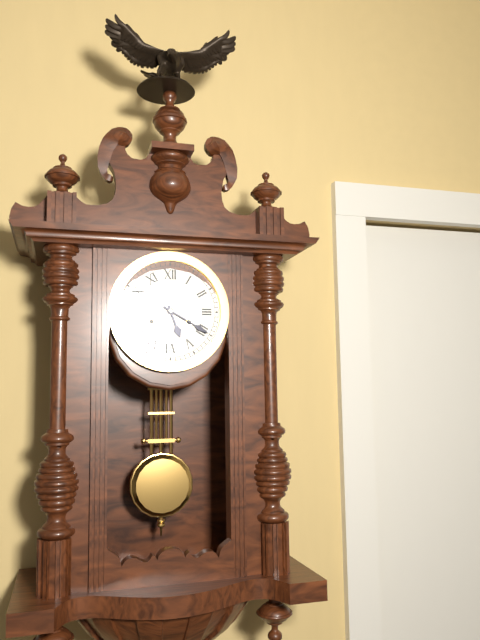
5:20
